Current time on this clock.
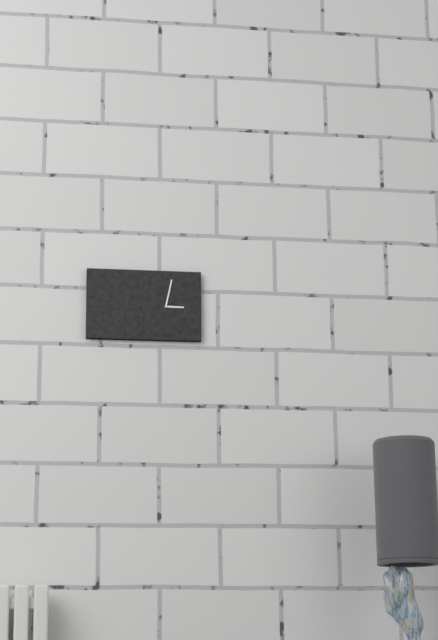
3:02
